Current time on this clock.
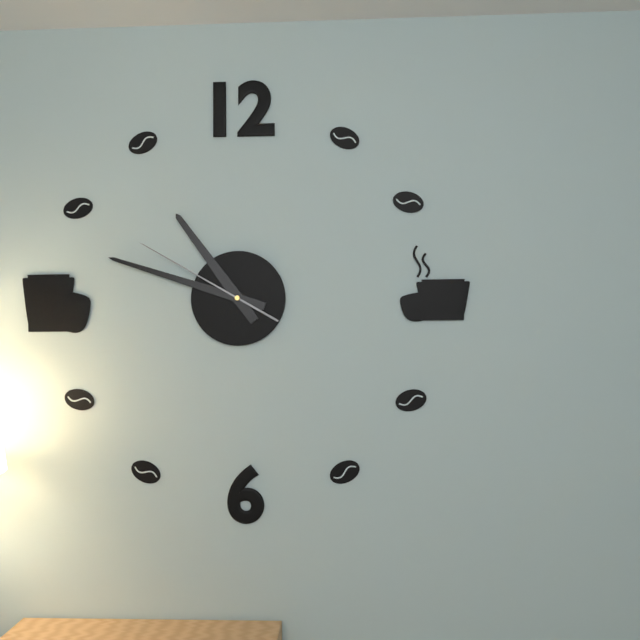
10:48:50
